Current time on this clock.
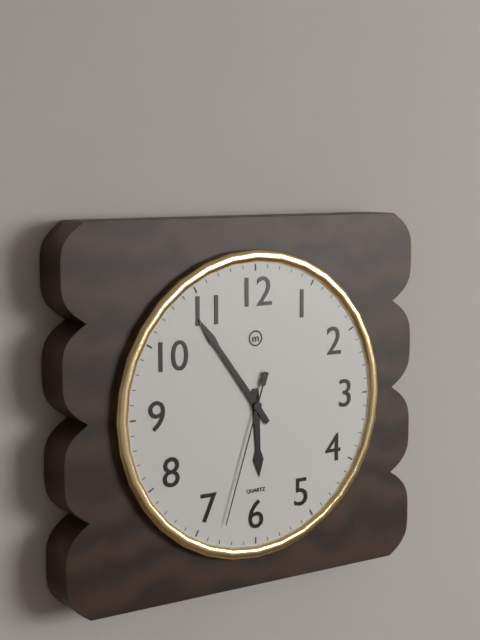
5:54:33
